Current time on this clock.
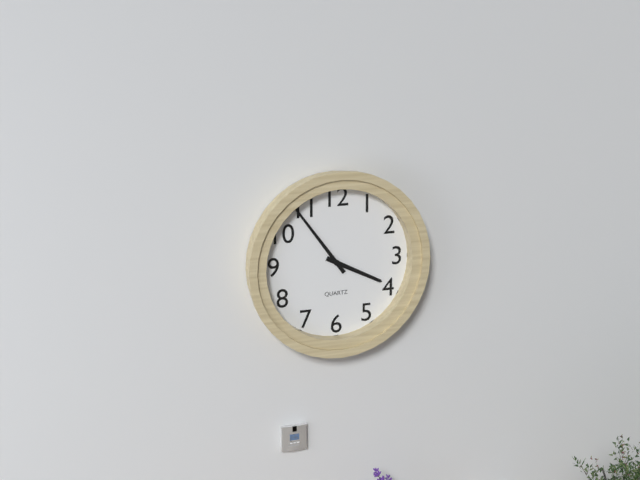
3:54
